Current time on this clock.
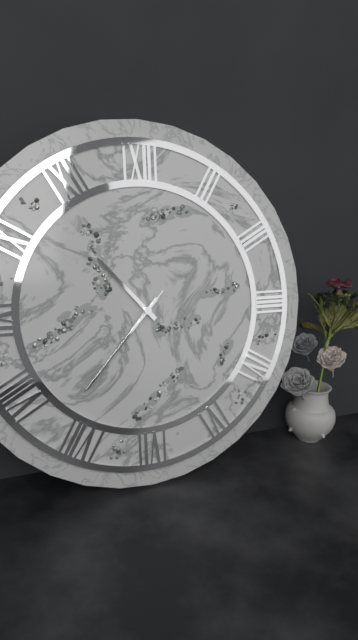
10:37:37
